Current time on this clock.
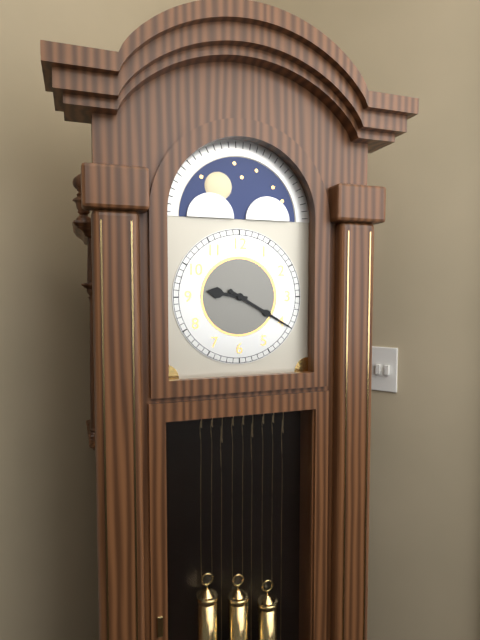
9:20
